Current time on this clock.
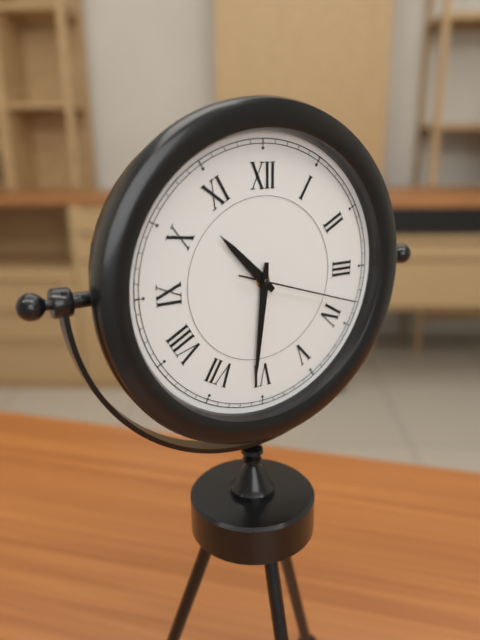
10:31:18
